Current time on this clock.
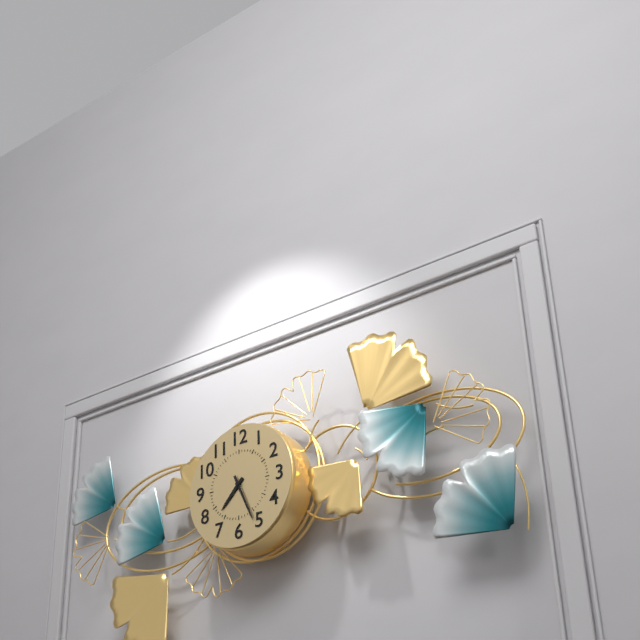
7:26
